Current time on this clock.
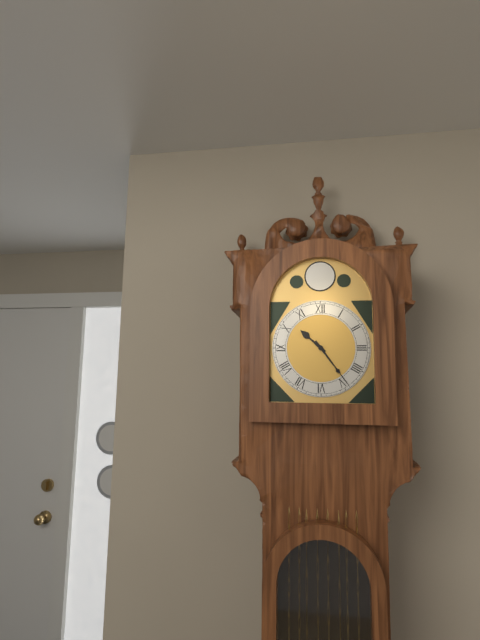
10:24
